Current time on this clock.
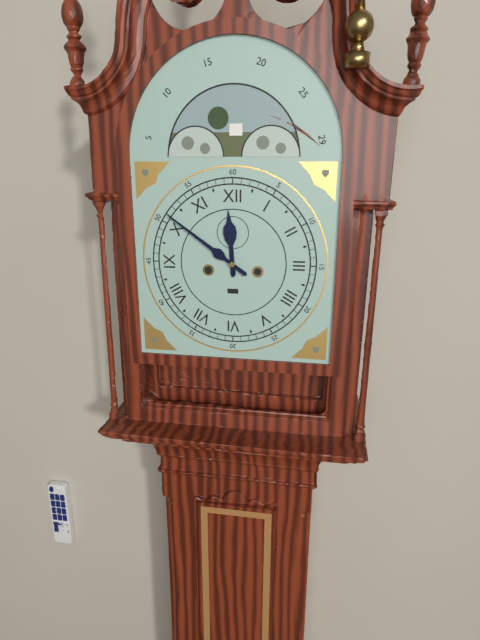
11:51
